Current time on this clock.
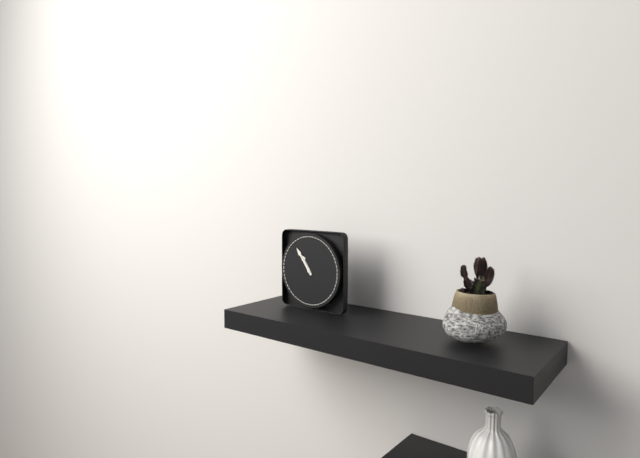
10:54
